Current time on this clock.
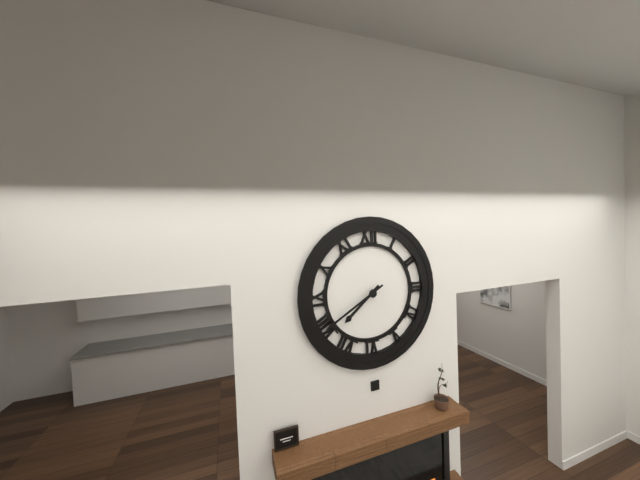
7:40
